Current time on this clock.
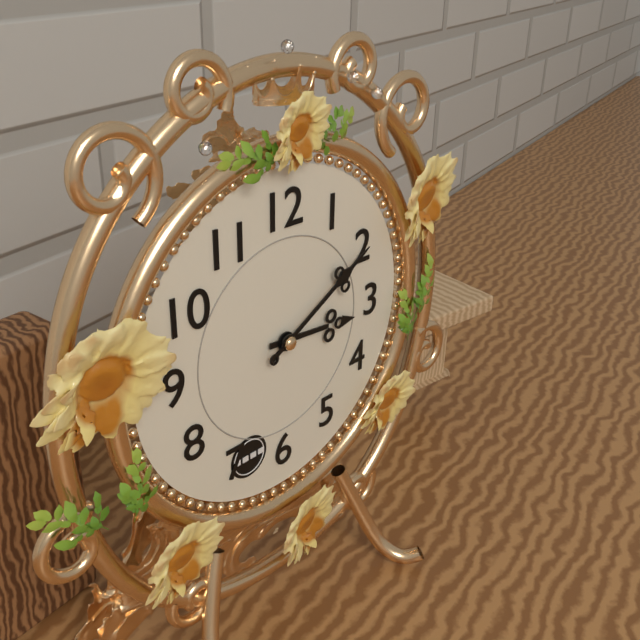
3:10
